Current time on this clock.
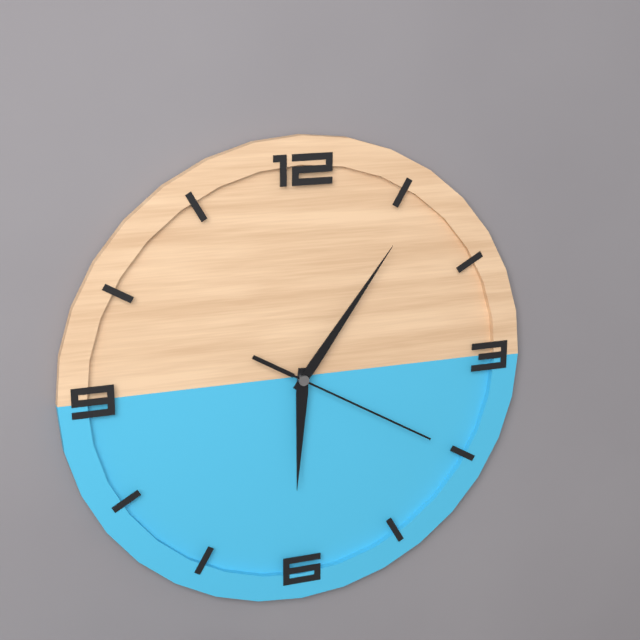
6:06:20
